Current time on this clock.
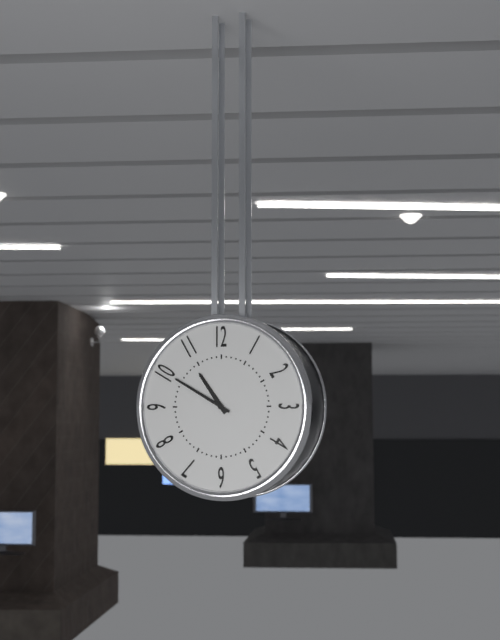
10:50
